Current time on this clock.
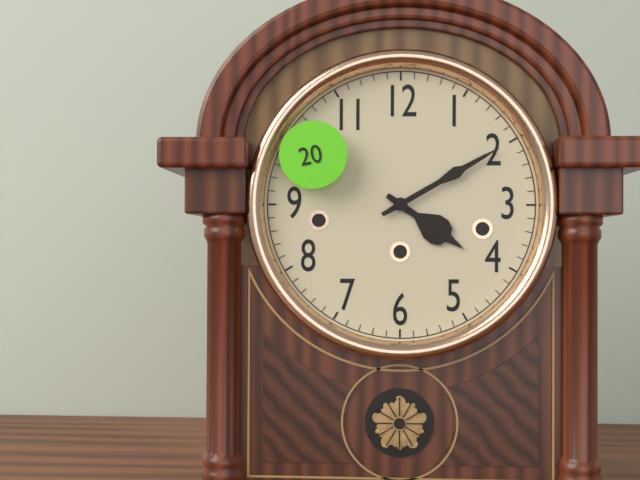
4:10
